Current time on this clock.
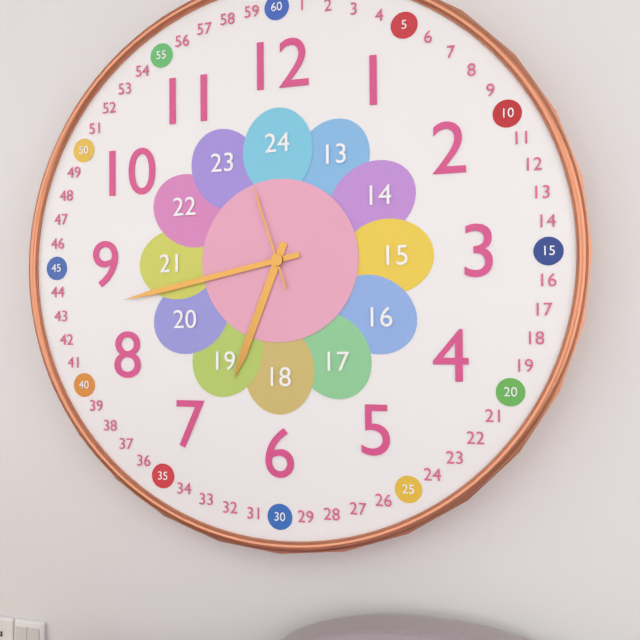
6:43:57
